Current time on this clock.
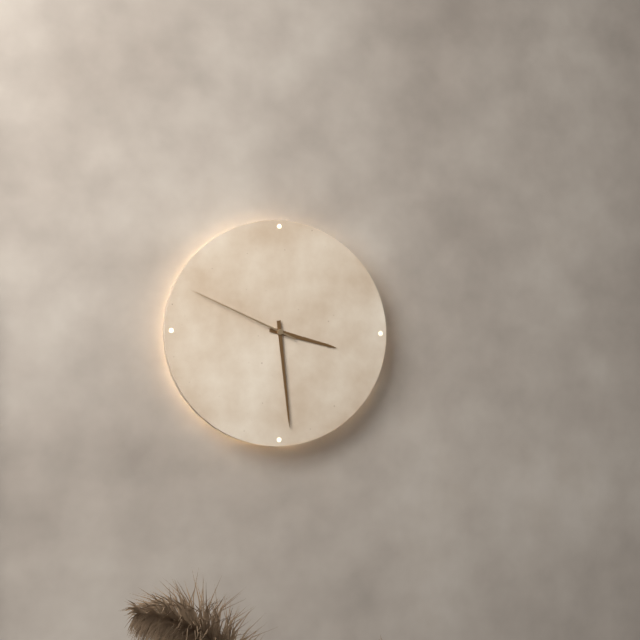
3:29:49
